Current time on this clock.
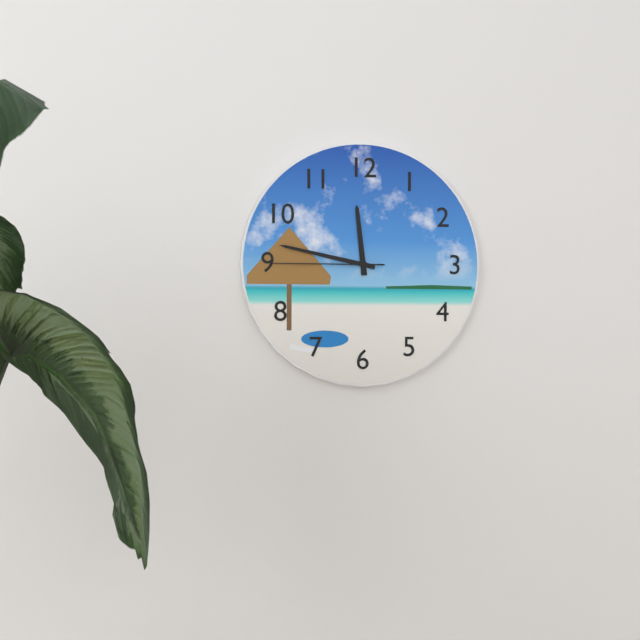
11:47:45
